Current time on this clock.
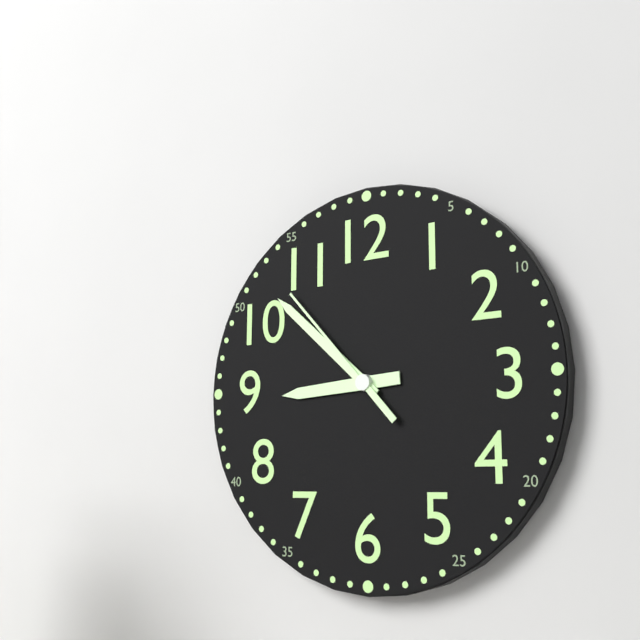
8:52:53
